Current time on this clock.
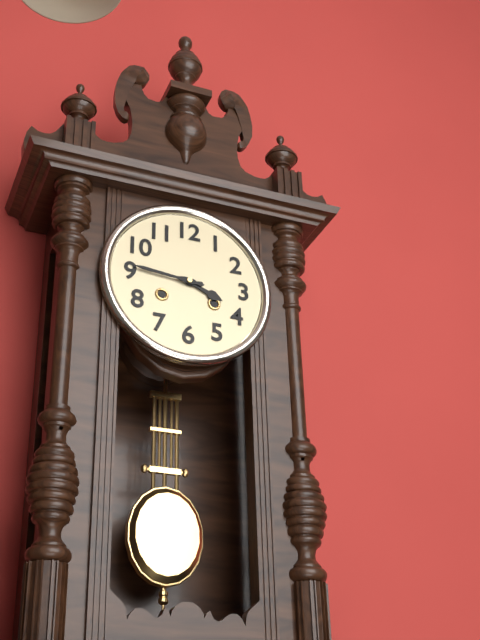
3:46
